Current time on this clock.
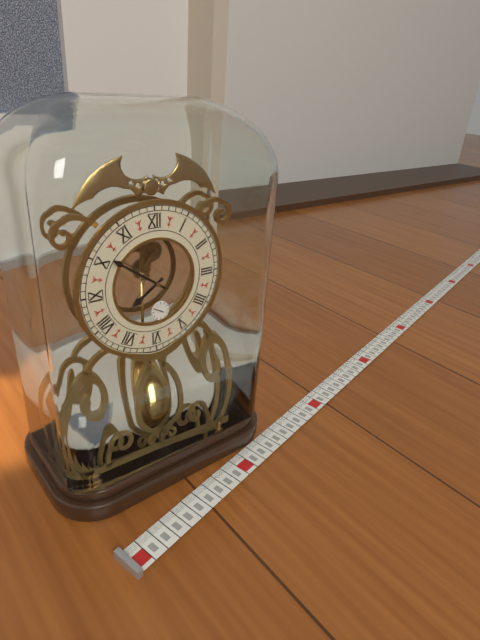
7:51
